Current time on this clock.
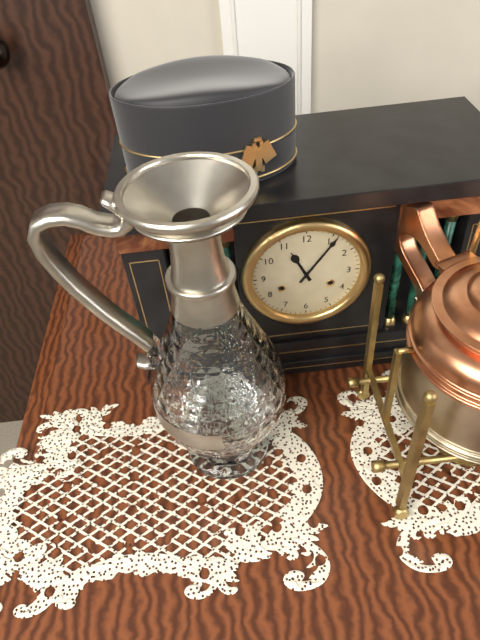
11:06
